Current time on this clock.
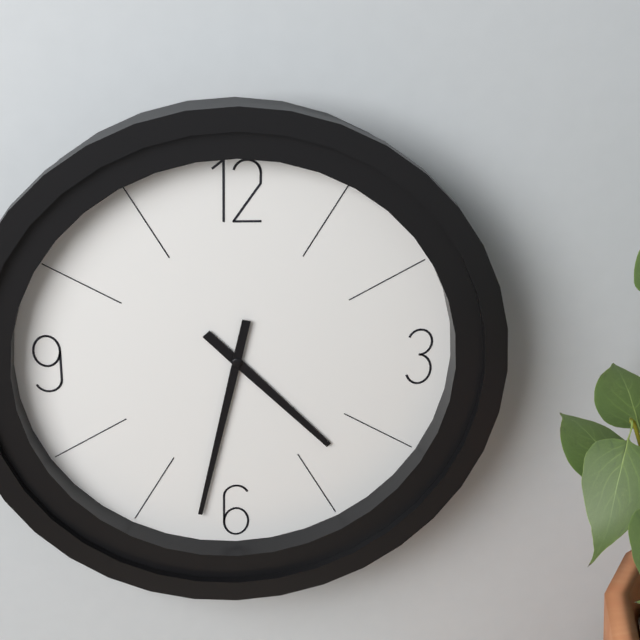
4:32
